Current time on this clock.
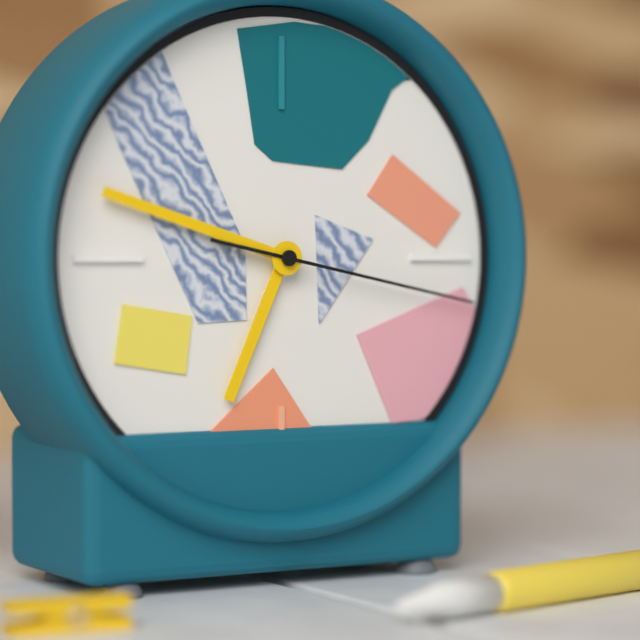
6:48:17
